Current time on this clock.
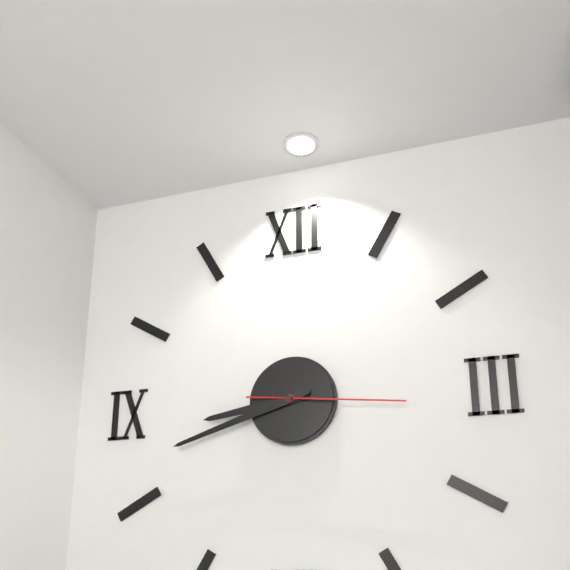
8:42:16
